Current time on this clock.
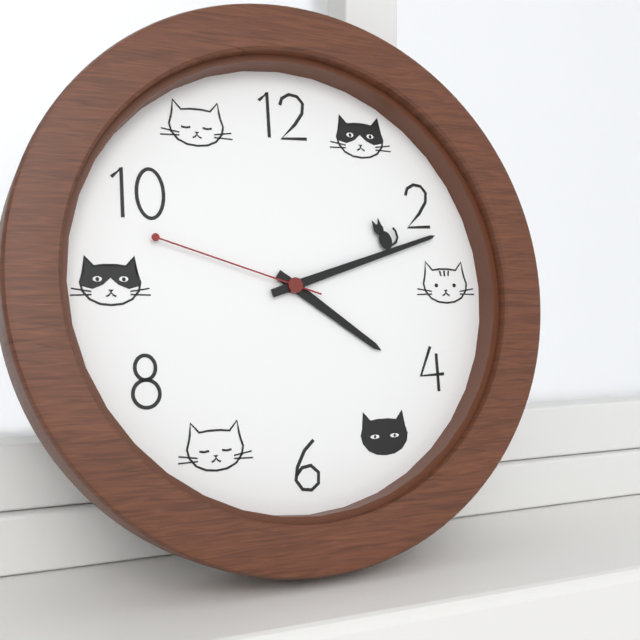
4:12:48
